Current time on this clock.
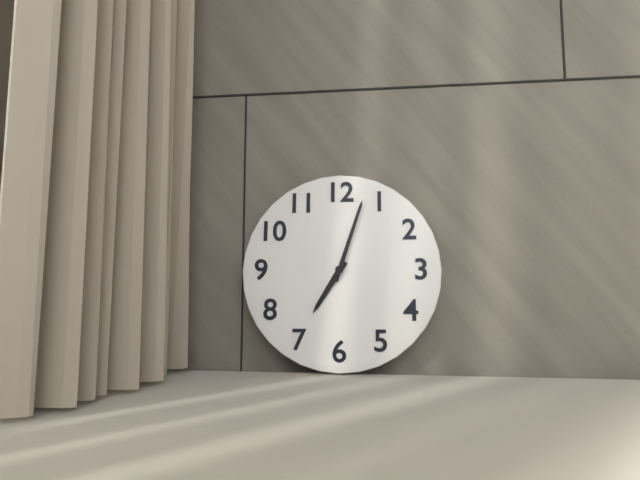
7:03
